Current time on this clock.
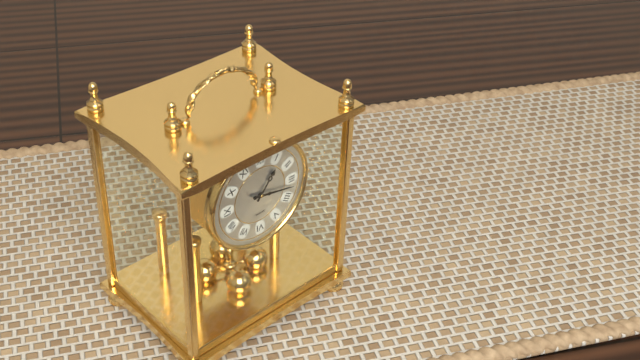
1:17
